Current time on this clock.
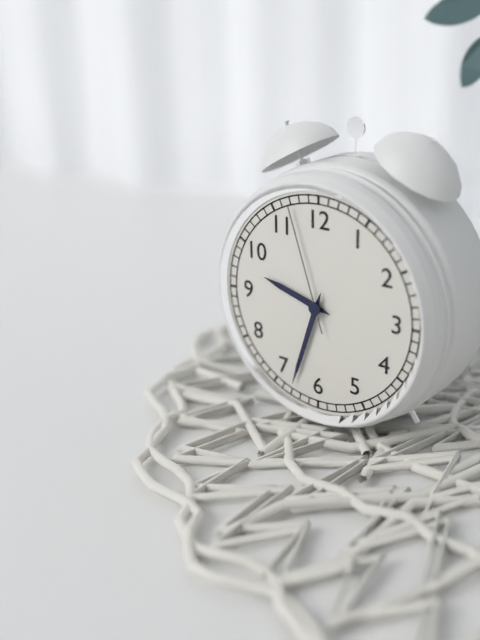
9:33:57
